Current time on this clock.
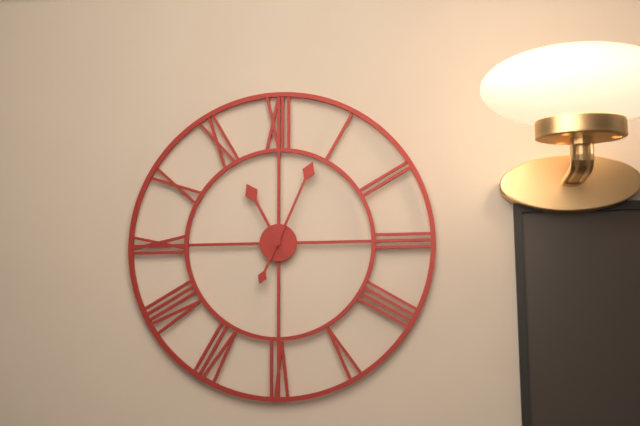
11:04
